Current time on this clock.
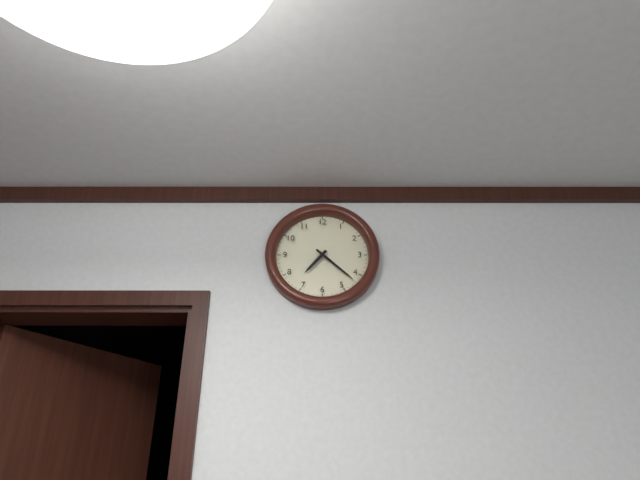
7:22
